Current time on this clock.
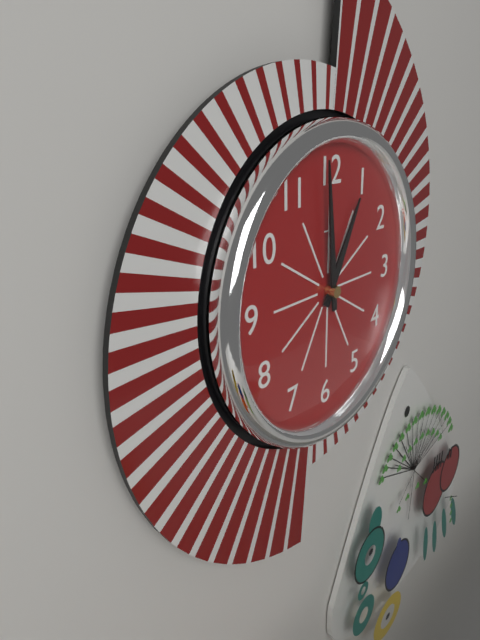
12:59
